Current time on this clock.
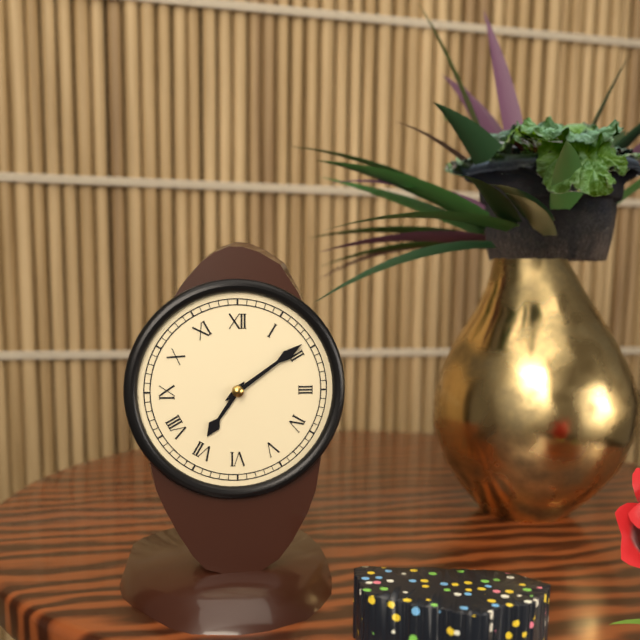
7:09
